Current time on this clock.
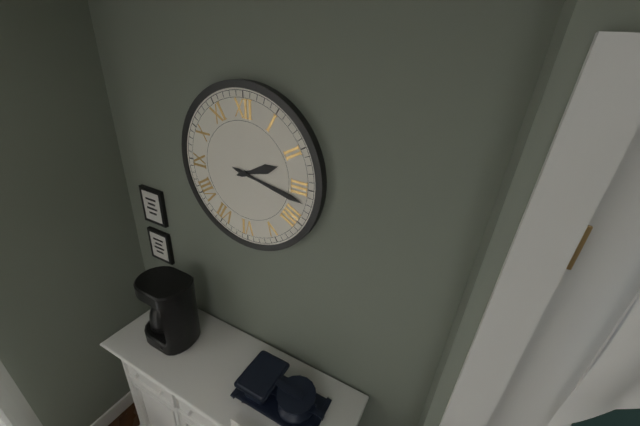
2:17
